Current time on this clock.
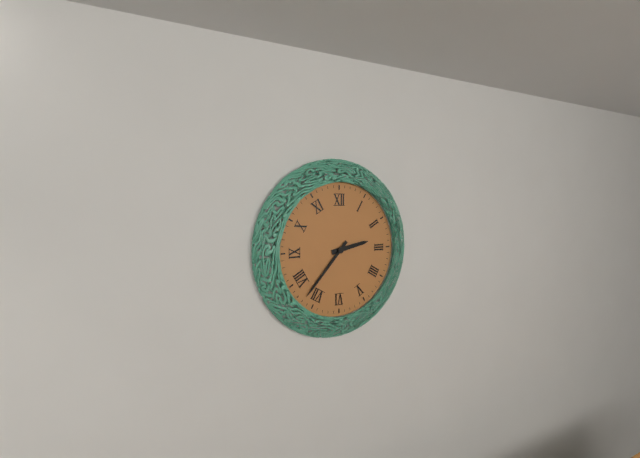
2:37
